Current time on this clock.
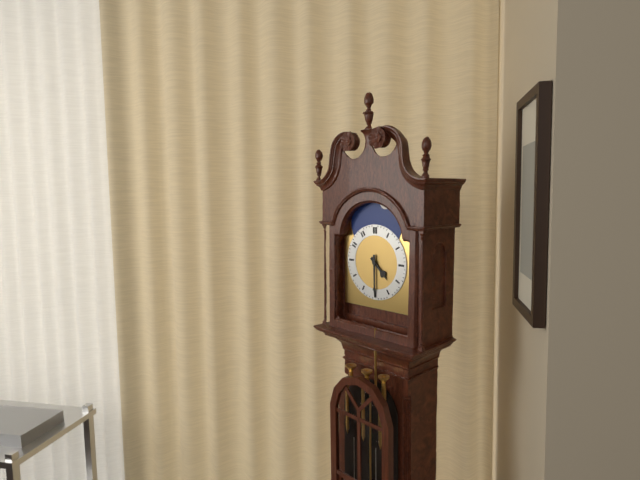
4:30
